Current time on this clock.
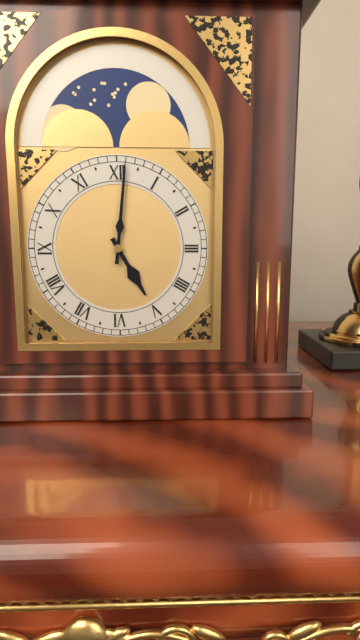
5:01
